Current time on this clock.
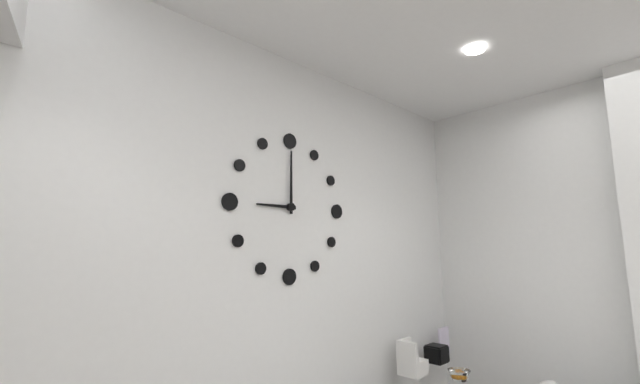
9:00
